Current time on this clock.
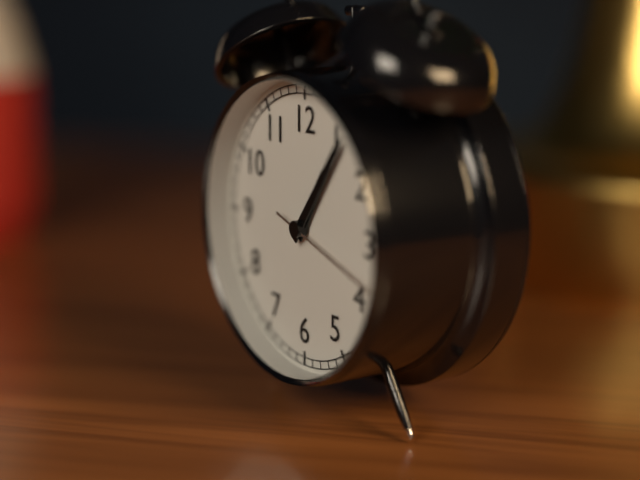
1:06:18
